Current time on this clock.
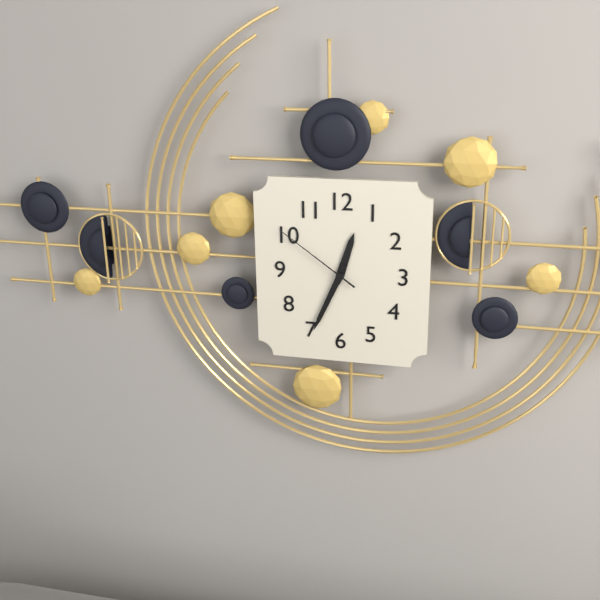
12:34:51
